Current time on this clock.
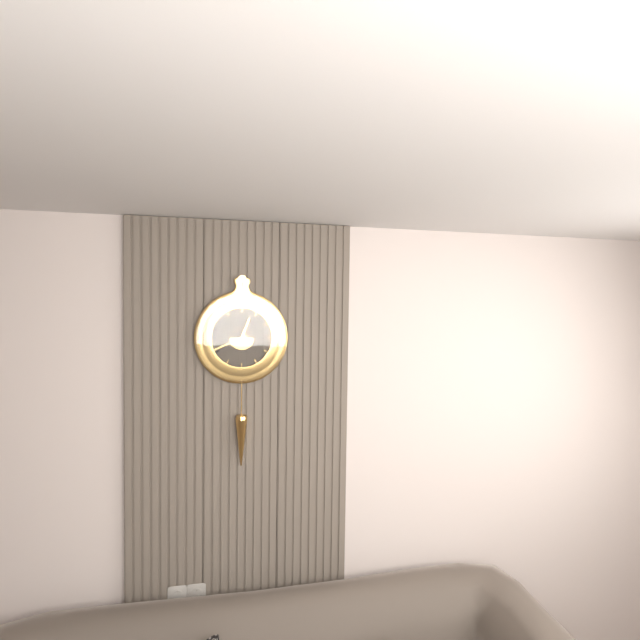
12:41
